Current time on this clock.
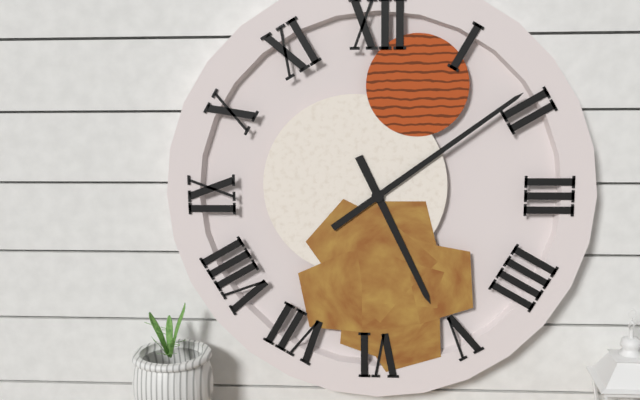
5:09
